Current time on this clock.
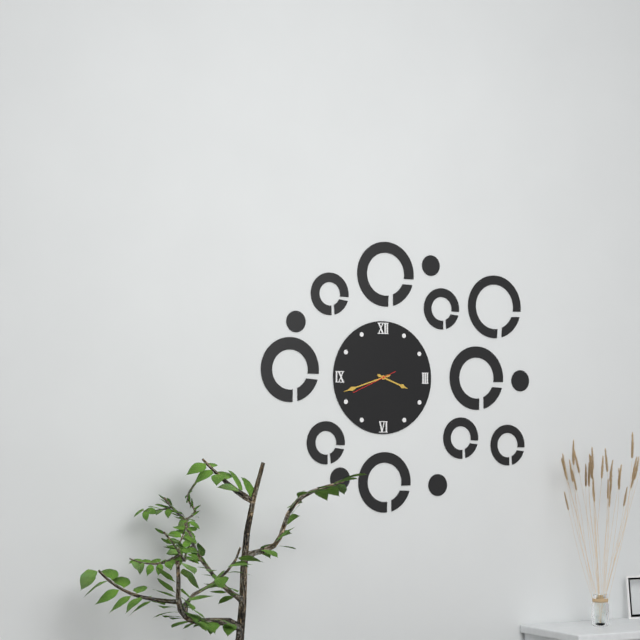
3:42
